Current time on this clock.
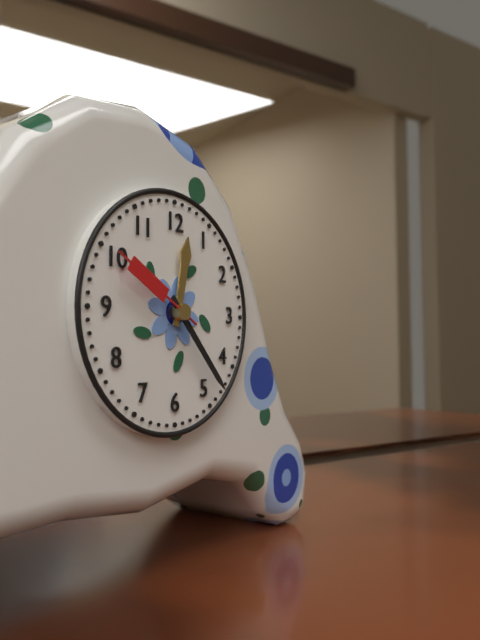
12:23:50
